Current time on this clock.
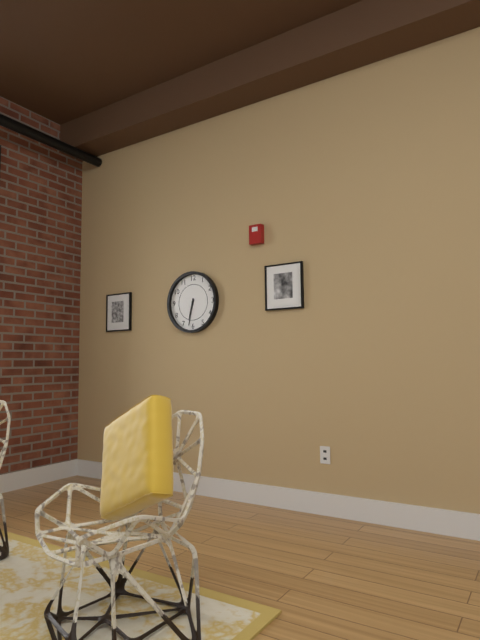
6:32
